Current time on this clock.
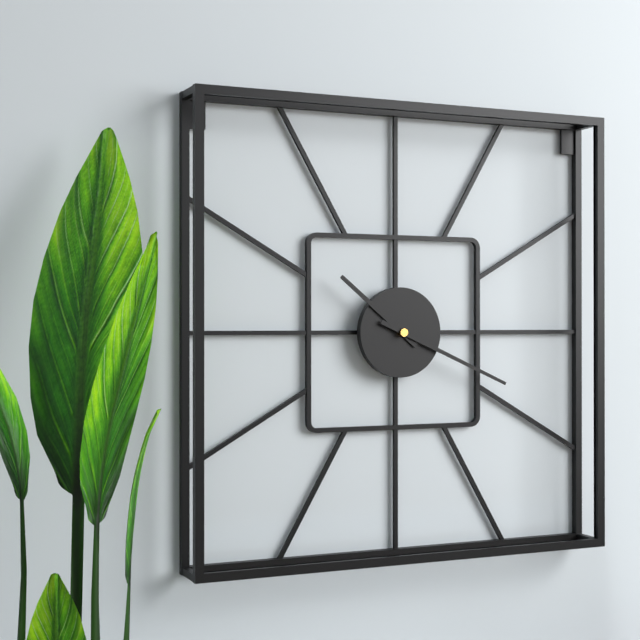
10:19
